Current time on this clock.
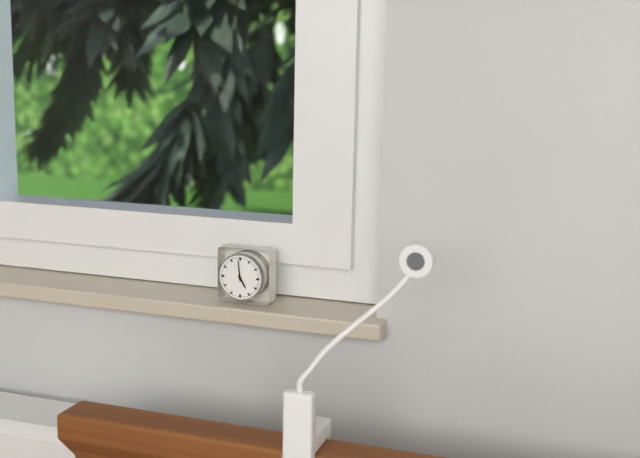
4:59
